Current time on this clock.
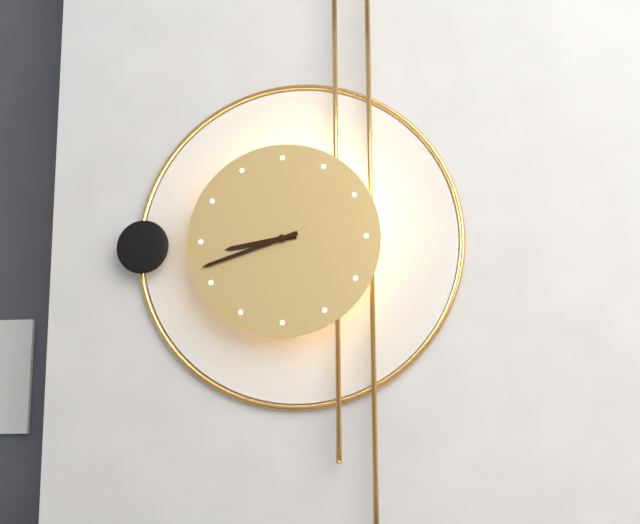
8:42
